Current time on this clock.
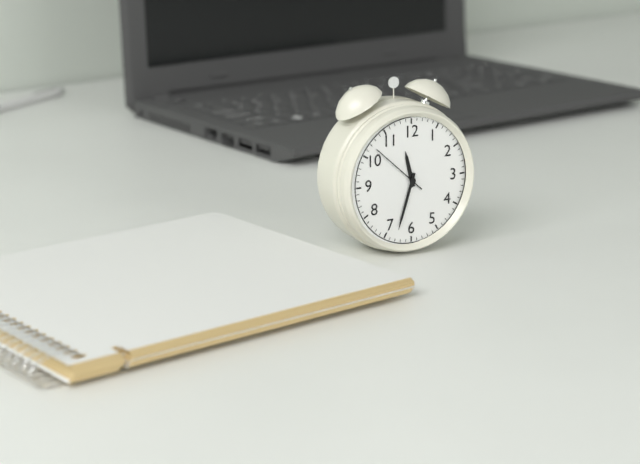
11:33:52
